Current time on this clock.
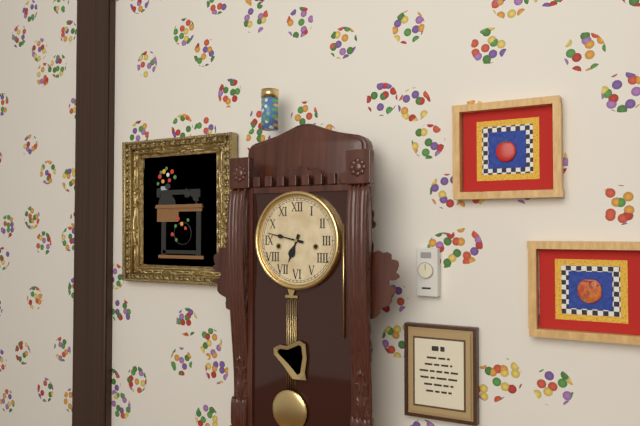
6:47
